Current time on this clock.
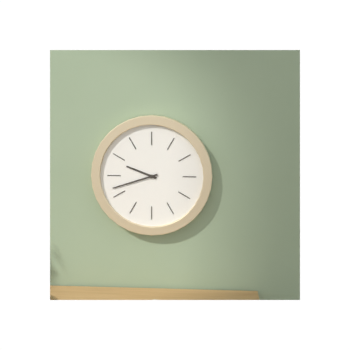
9:42
